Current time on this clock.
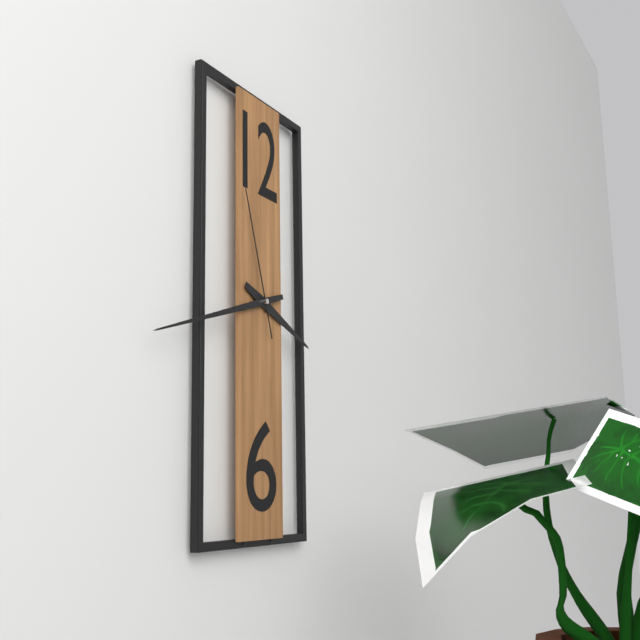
3:42:57
